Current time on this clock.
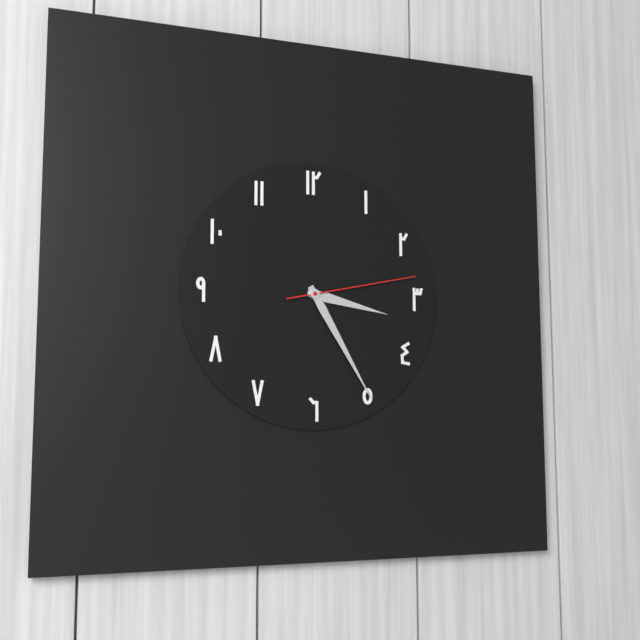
3:25:13
